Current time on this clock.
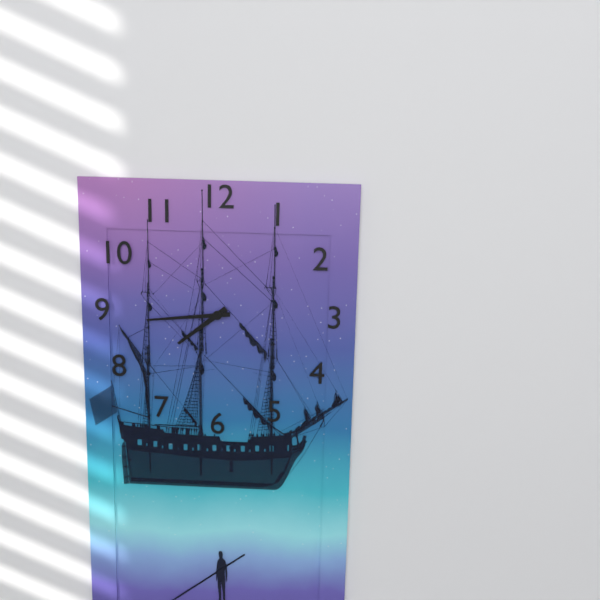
7:44
